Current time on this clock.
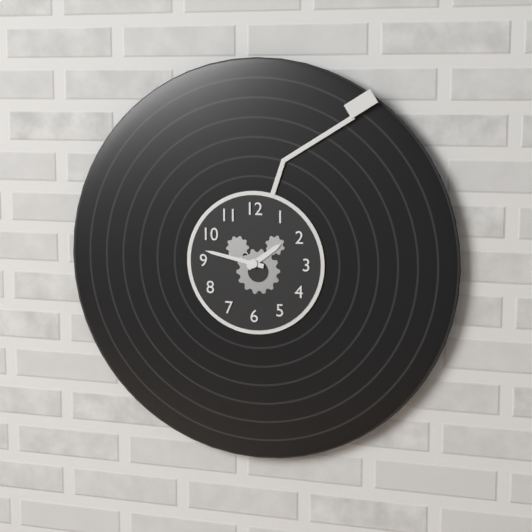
1:47
